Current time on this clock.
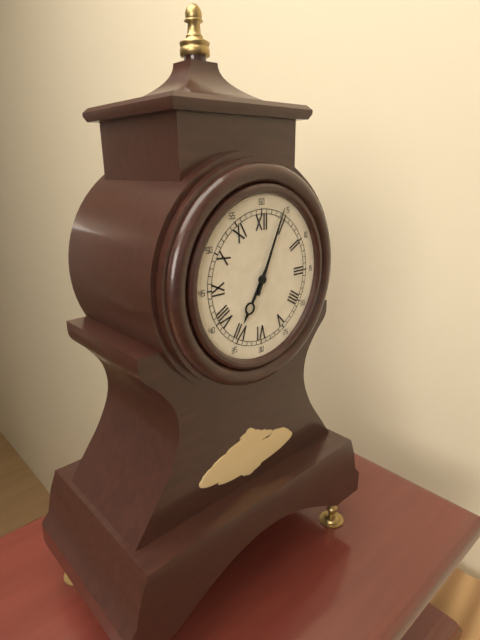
7:04
